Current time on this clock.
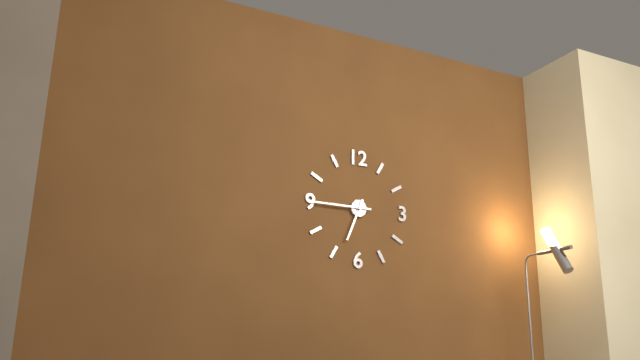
6:45
